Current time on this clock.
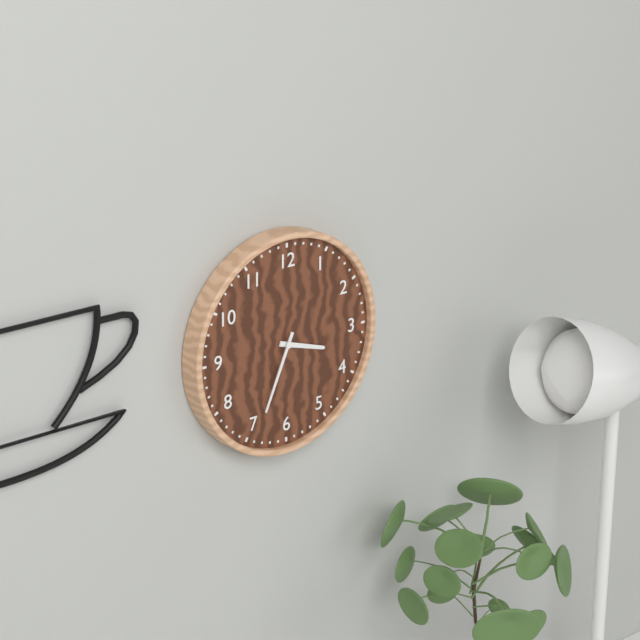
3:34
